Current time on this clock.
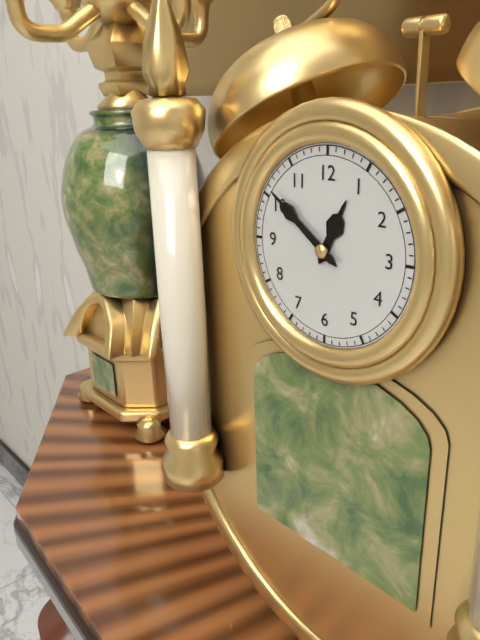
12:51
